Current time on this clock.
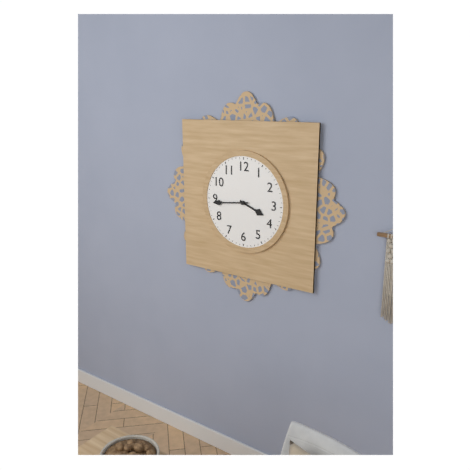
3:44
